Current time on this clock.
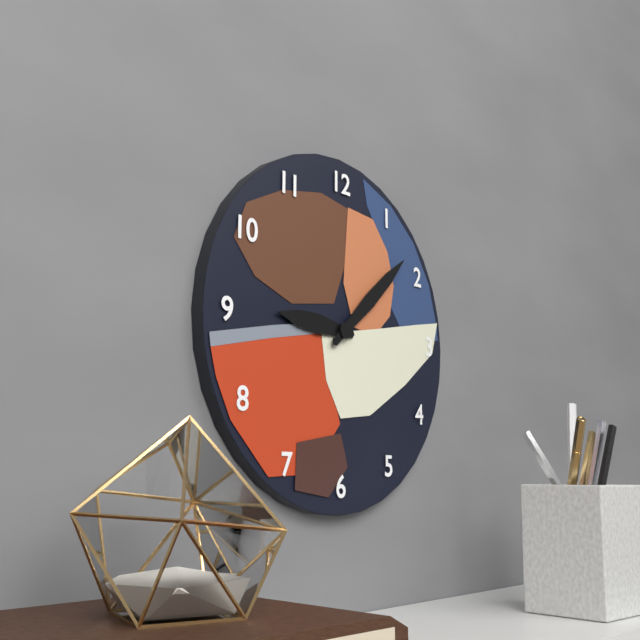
9:08
